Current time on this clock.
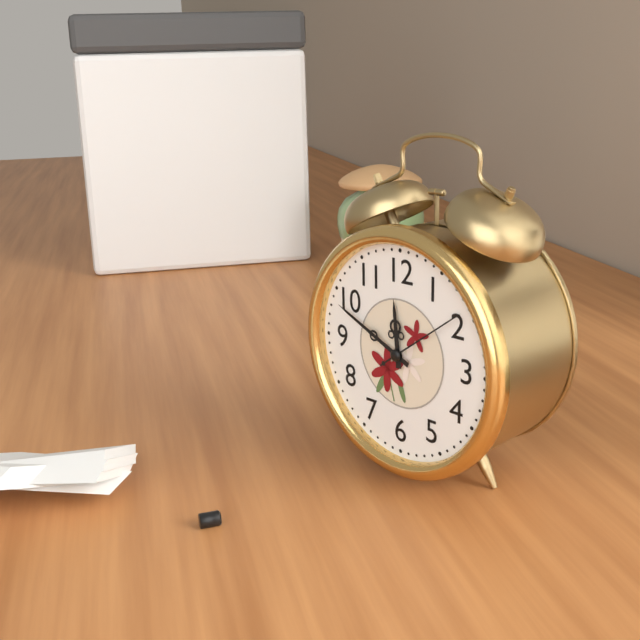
11:49:09
